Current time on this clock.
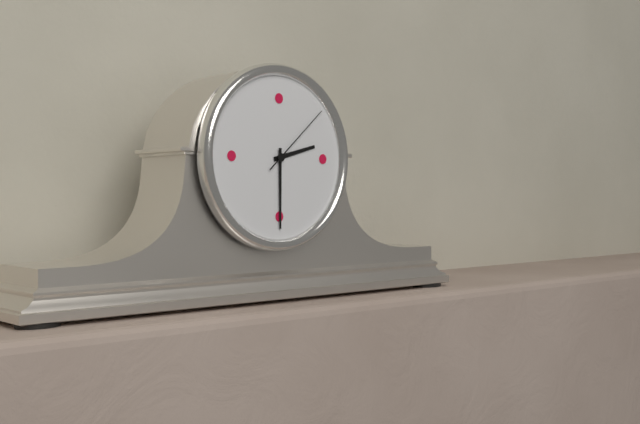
2:30:08
